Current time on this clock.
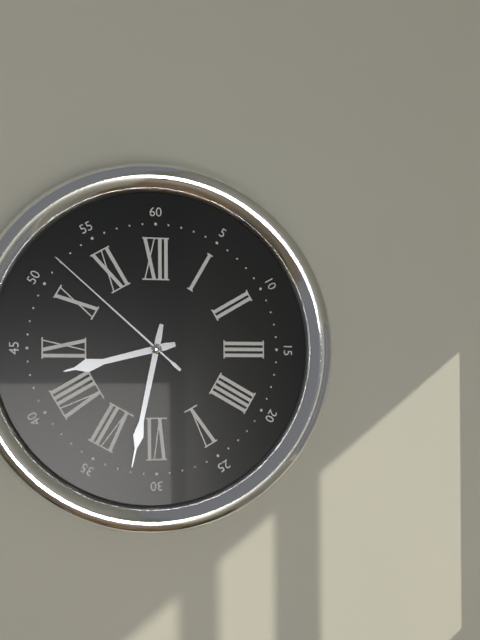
8:32:52
